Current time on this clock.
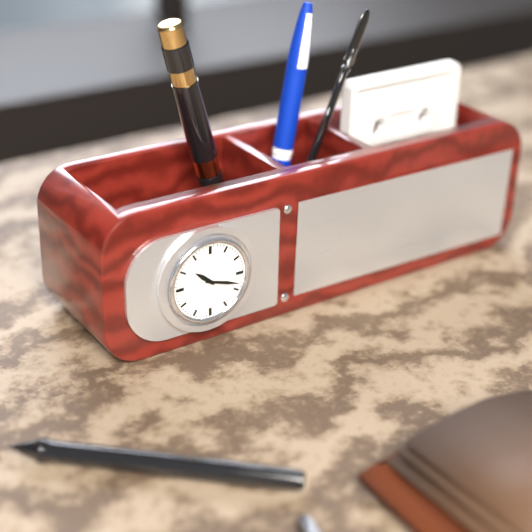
10:18
